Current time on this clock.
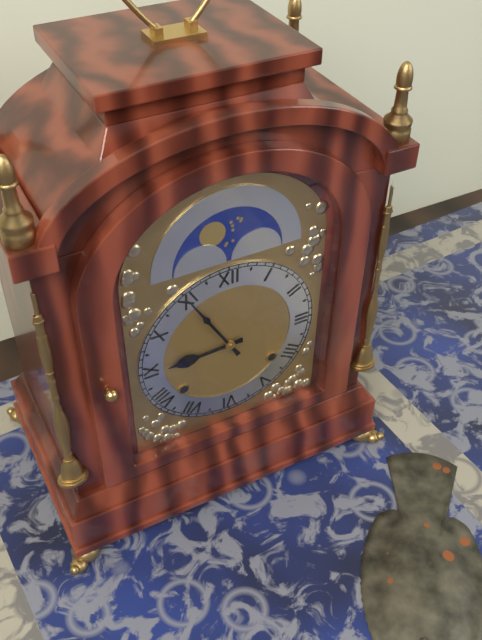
8:55
